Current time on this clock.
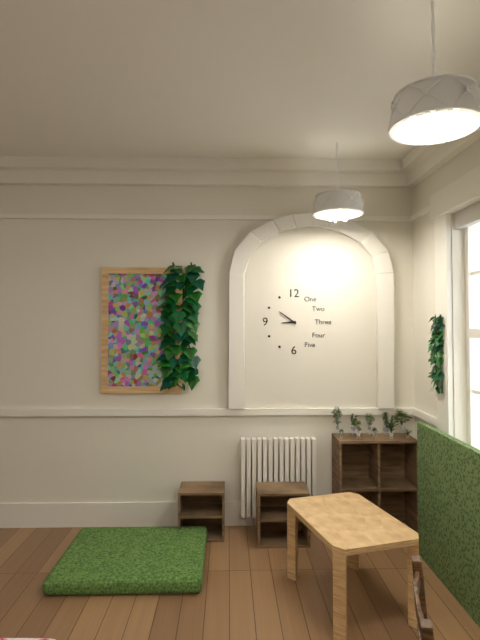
8:51
